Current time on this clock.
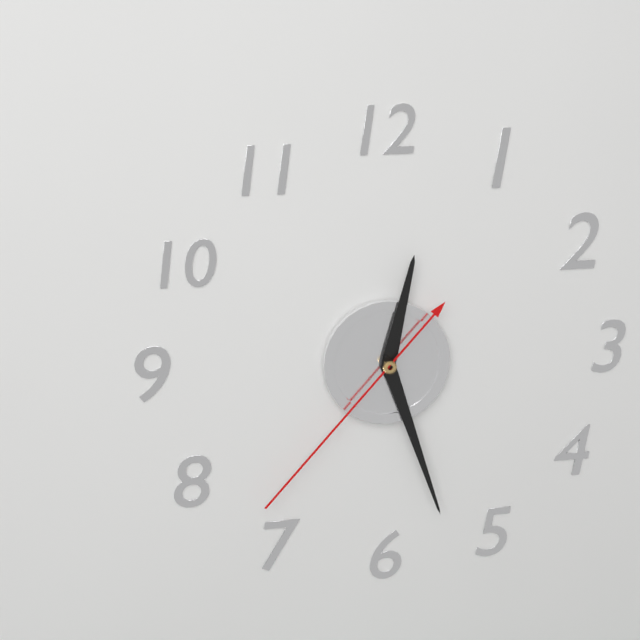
12:27:37
